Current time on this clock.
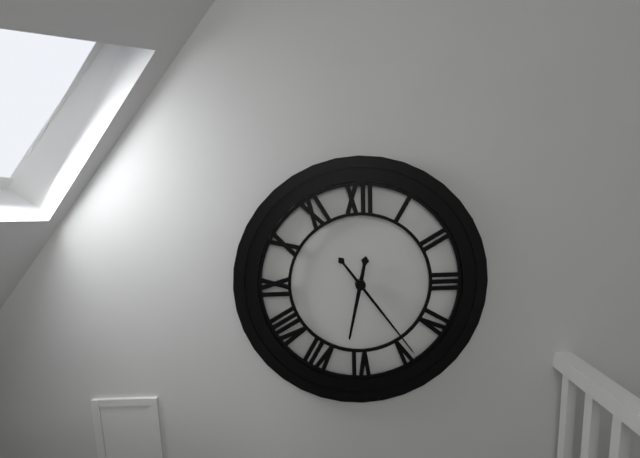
6:24
